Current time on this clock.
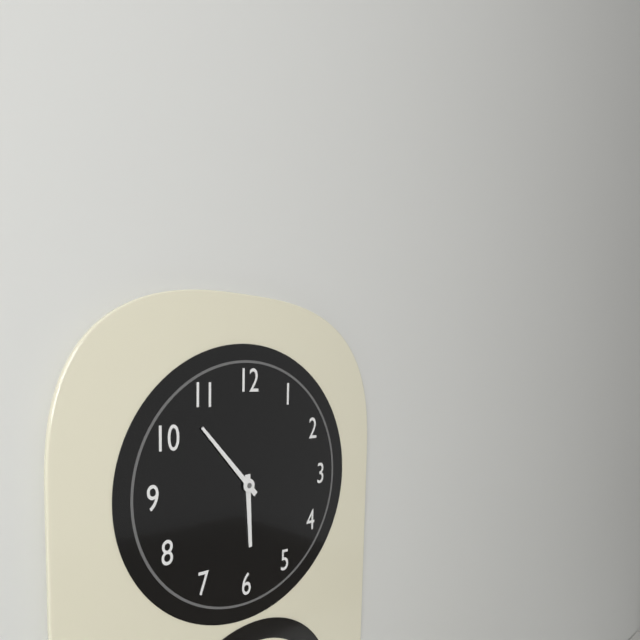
5:53
